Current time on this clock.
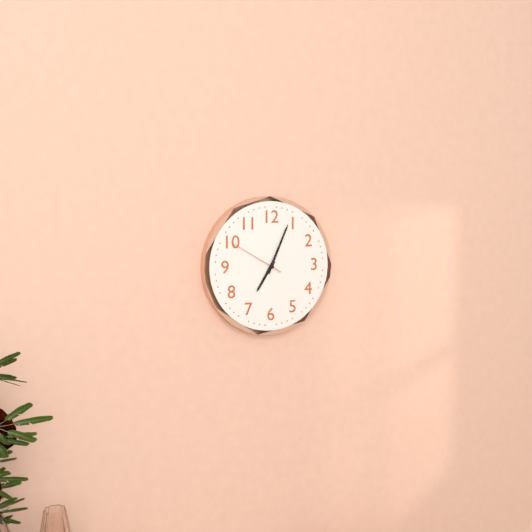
7:04:50
